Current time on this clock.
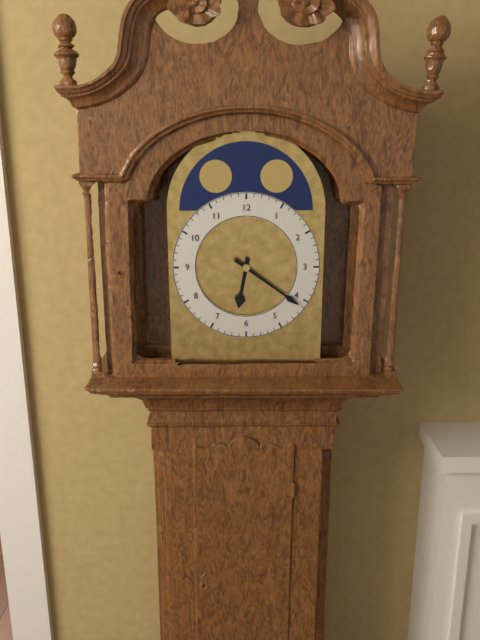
6:21
